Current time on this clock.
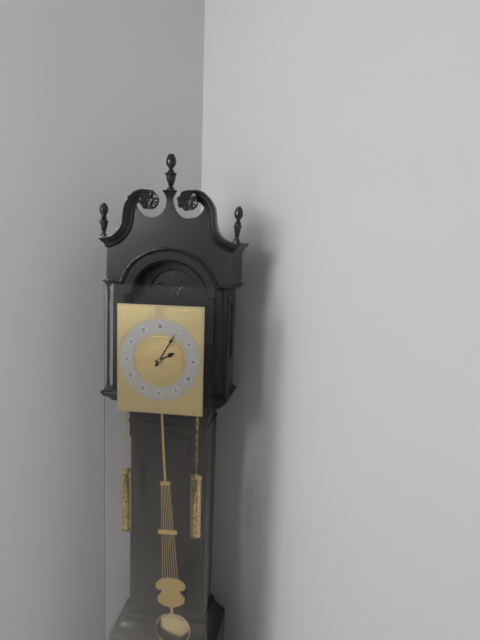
2:05
